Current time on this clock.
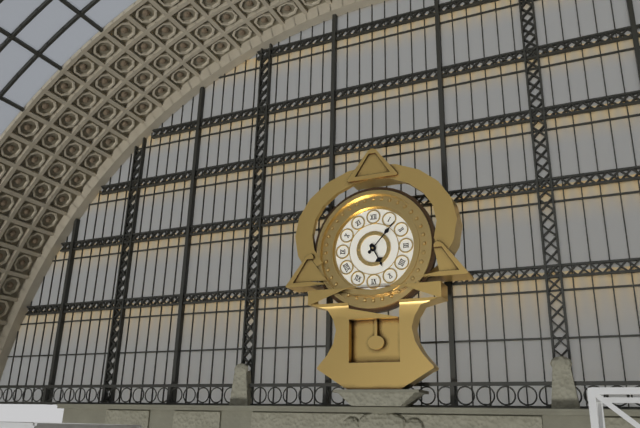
5:07
